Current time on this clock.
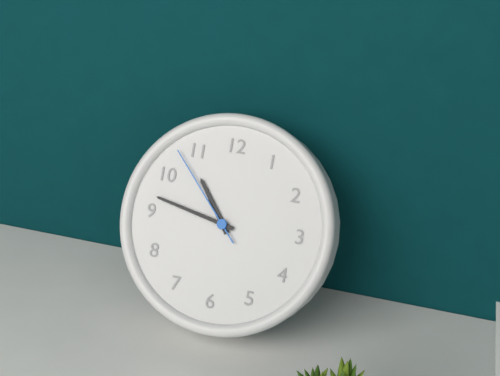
10:47:53
